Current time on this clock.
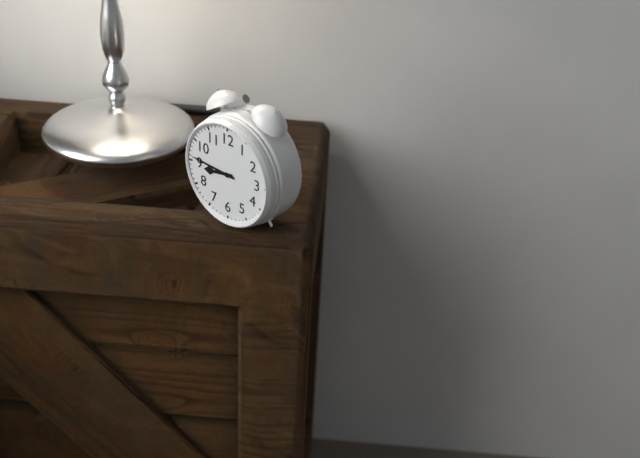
8:46
